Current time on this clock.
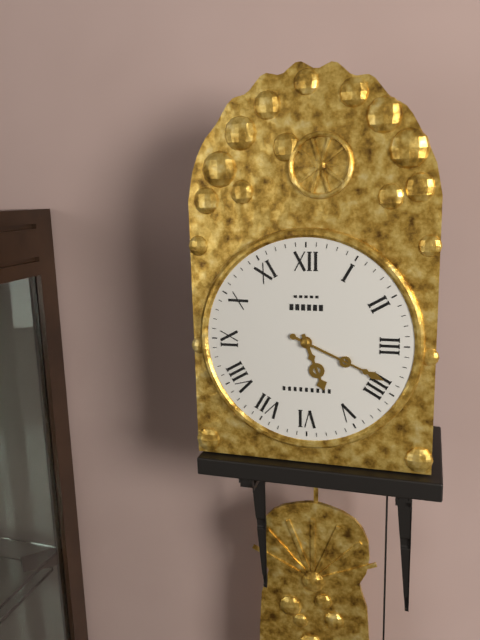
5:19
